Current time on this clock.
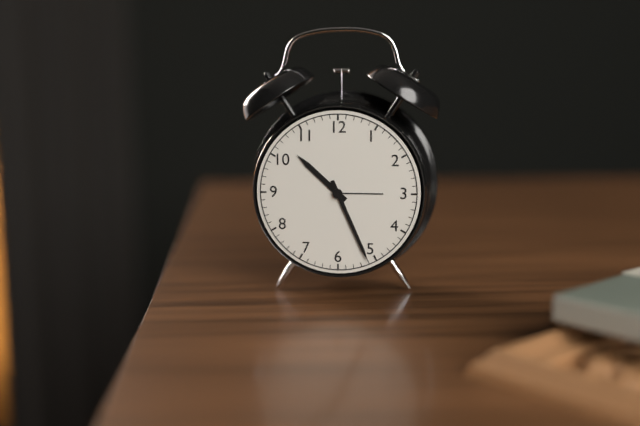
10:26
